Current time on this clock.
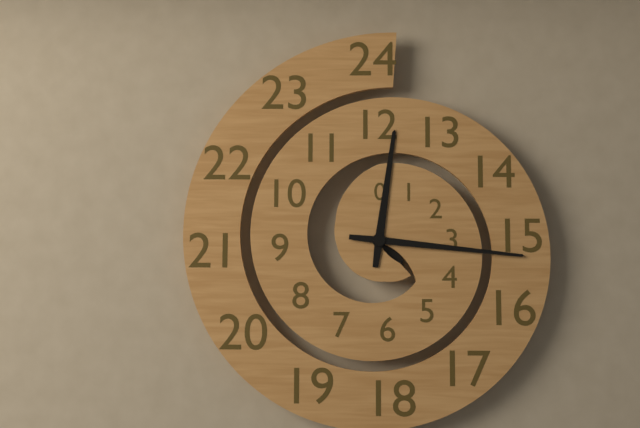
12:16
